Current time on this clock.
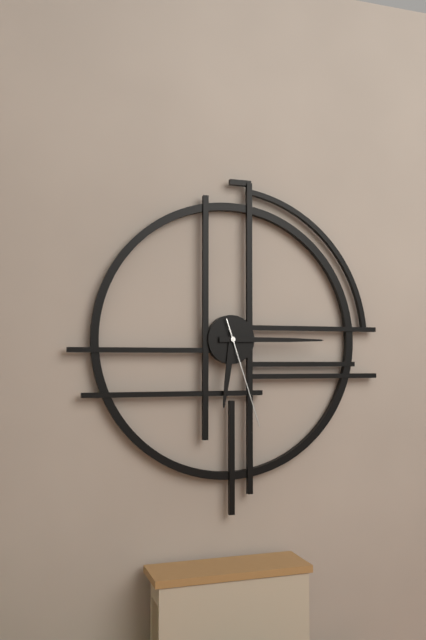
6:15:27
